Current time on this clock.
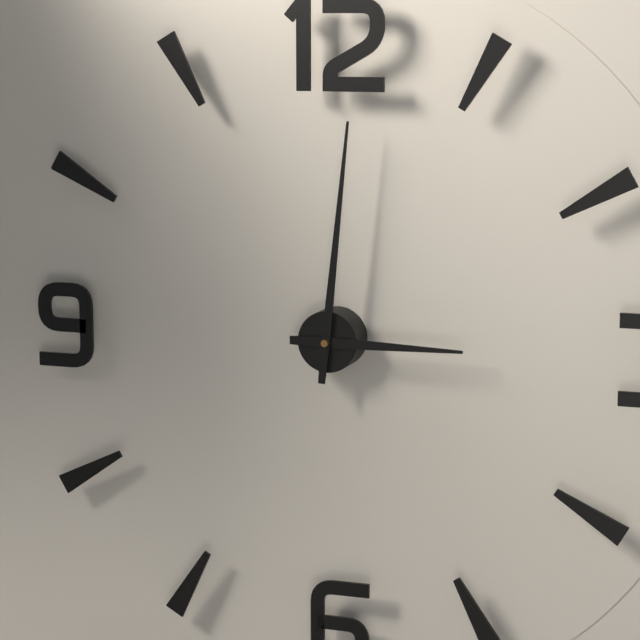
3:01
